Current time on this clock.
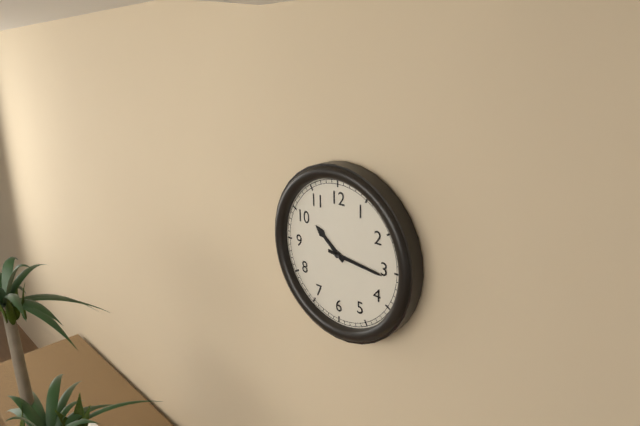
10:16
